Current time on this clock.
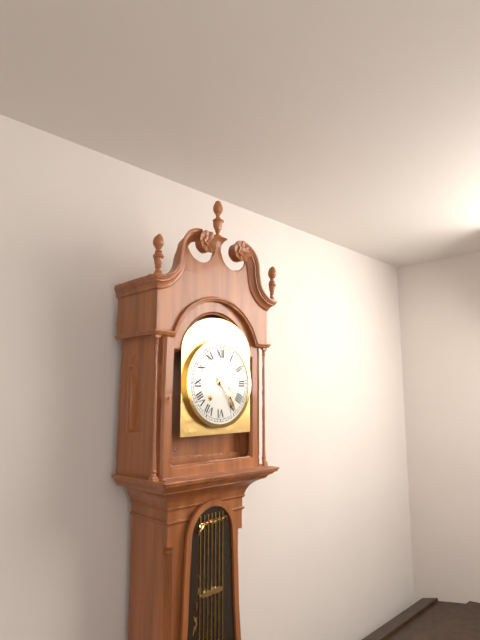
3:24
